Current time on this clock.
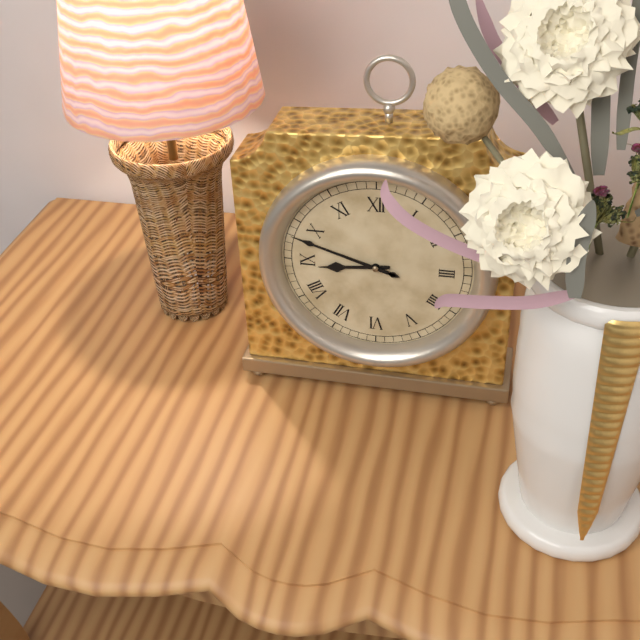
8:48
